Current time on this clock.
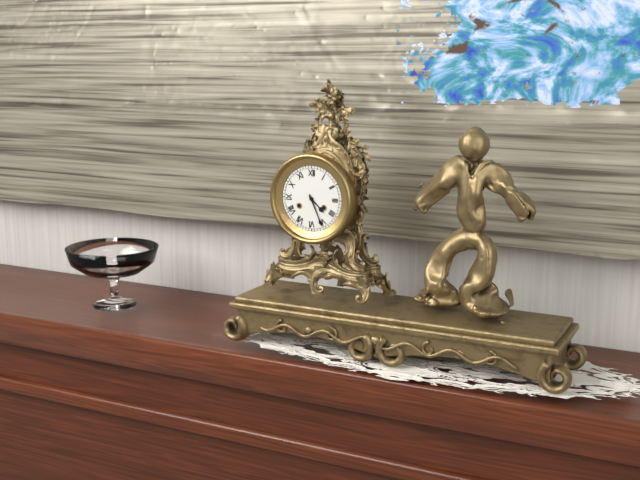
4:26
